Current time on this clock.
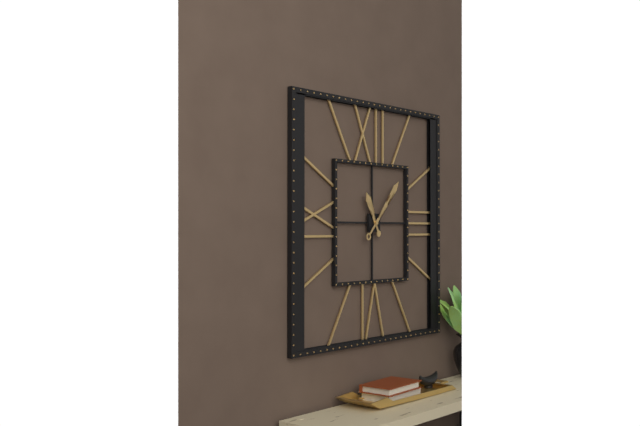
11:07
